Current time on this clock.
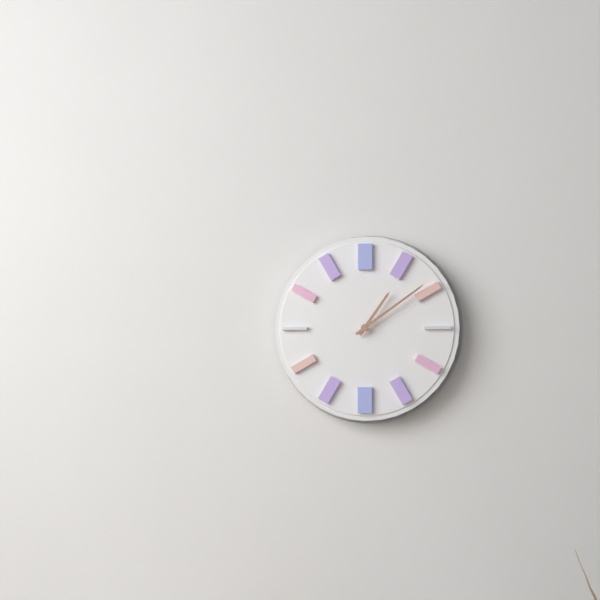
1:09
